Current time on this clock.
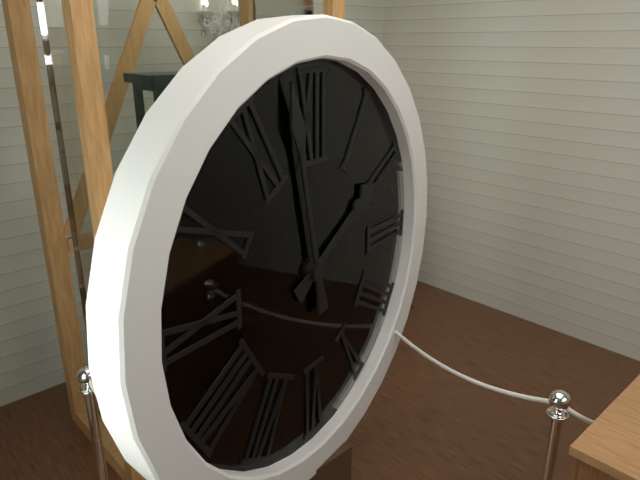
1:58
